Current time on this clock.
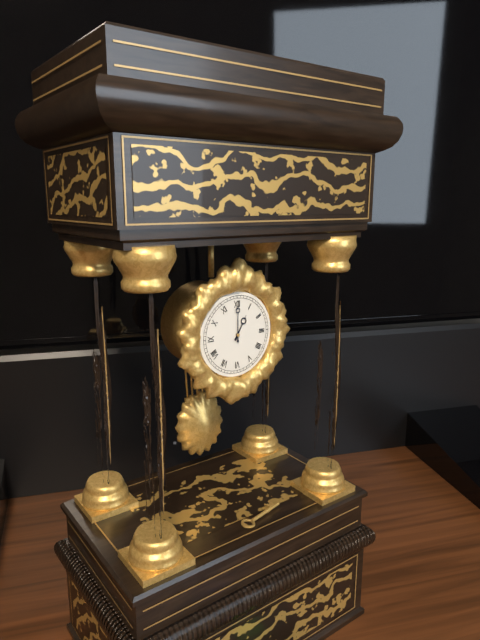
1:00
